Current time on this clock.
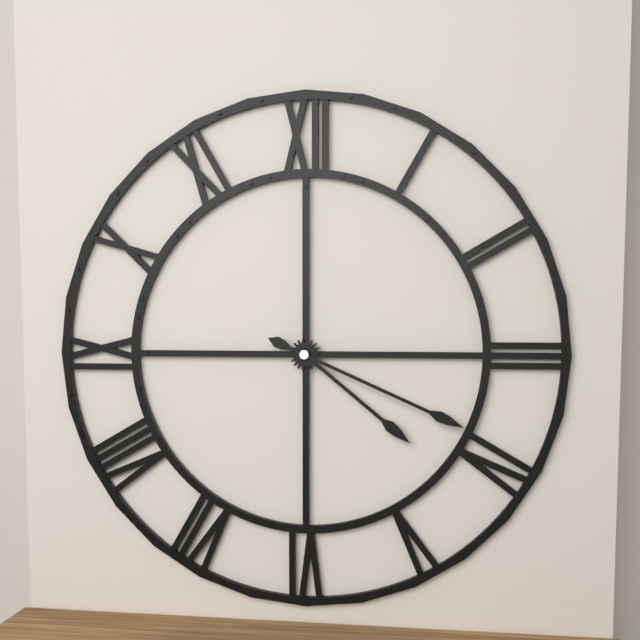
4:19
